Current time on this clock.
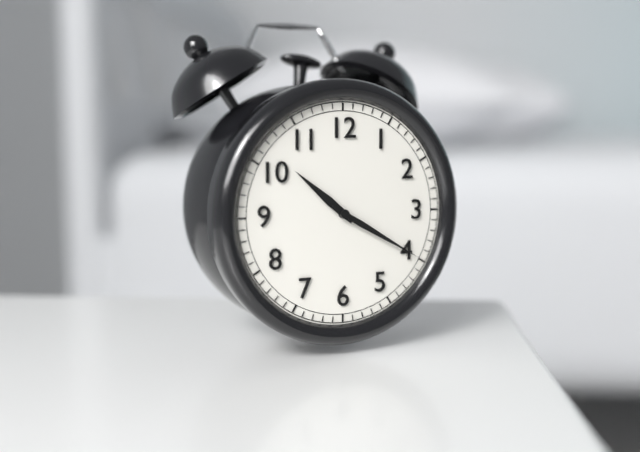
10:20
